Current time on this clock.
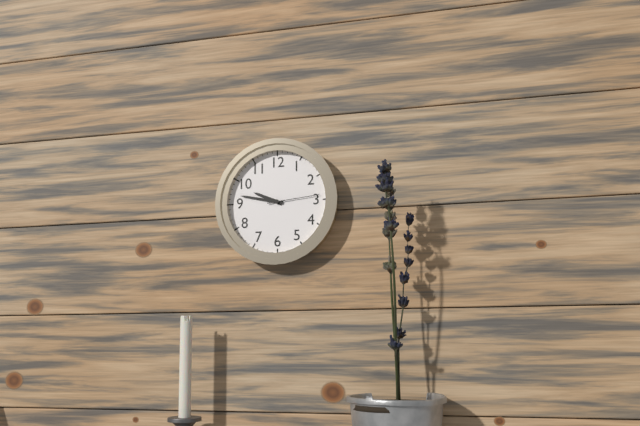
9:47:14
